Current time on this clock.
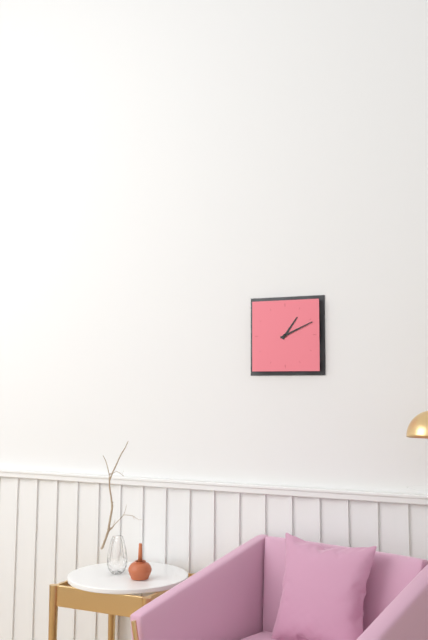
1:11
